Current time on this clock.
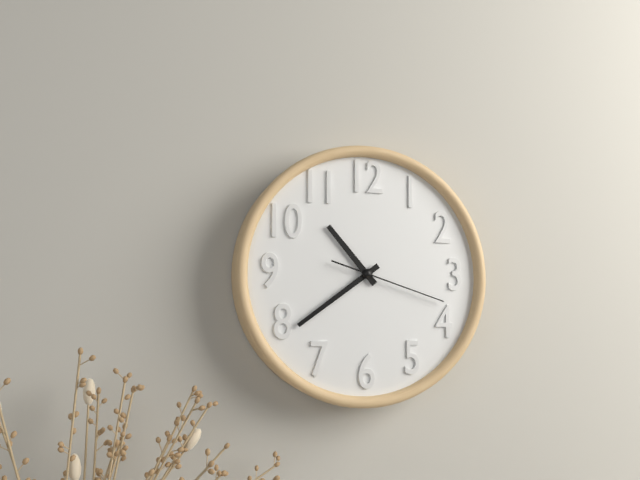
10:39:18
